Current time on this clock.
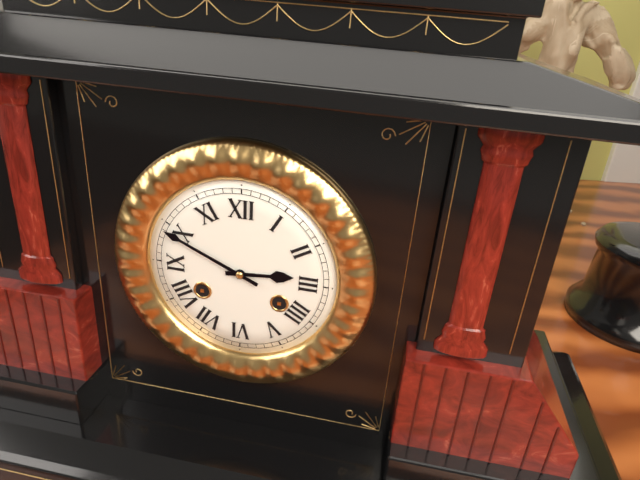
2:49
